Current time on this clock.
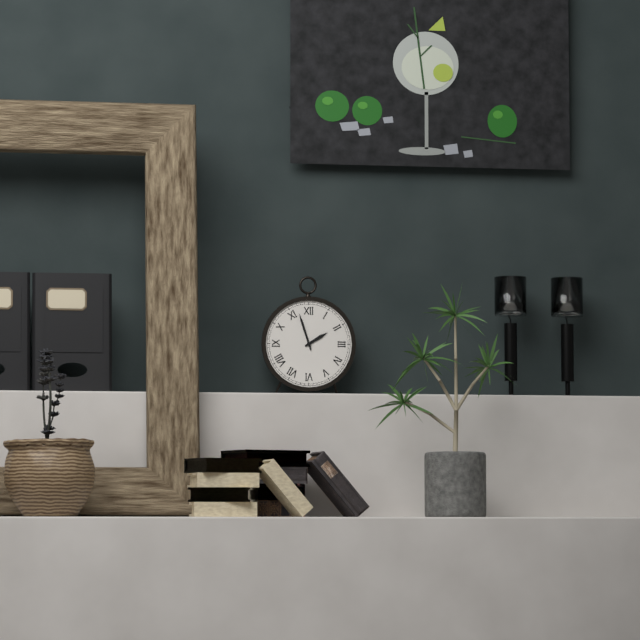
1:57
